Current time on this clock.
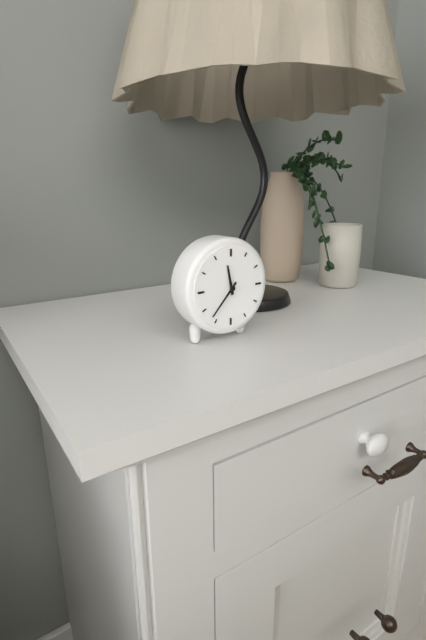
11:37
